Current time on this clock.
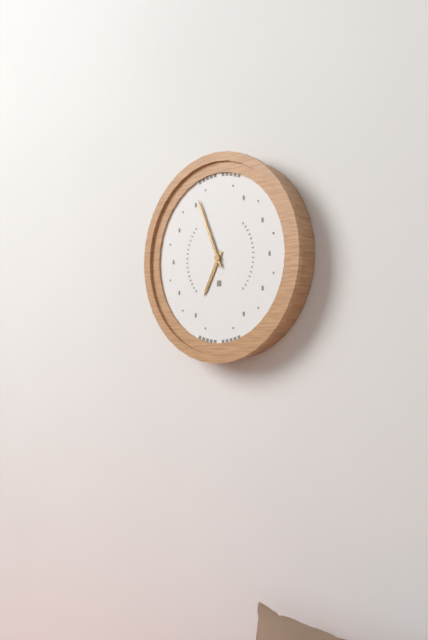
6:56
